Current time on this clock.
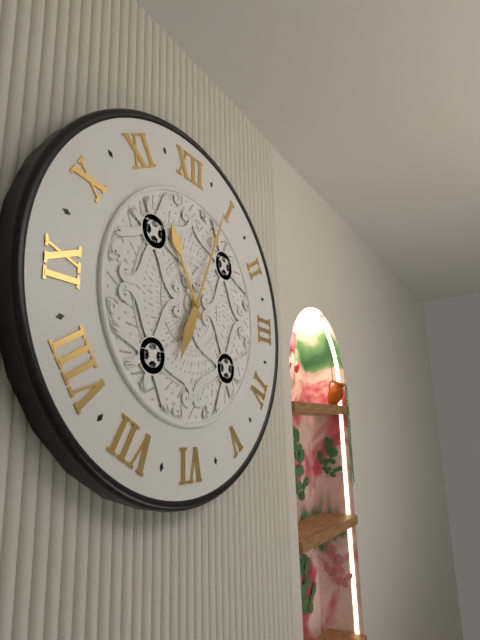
11:04
